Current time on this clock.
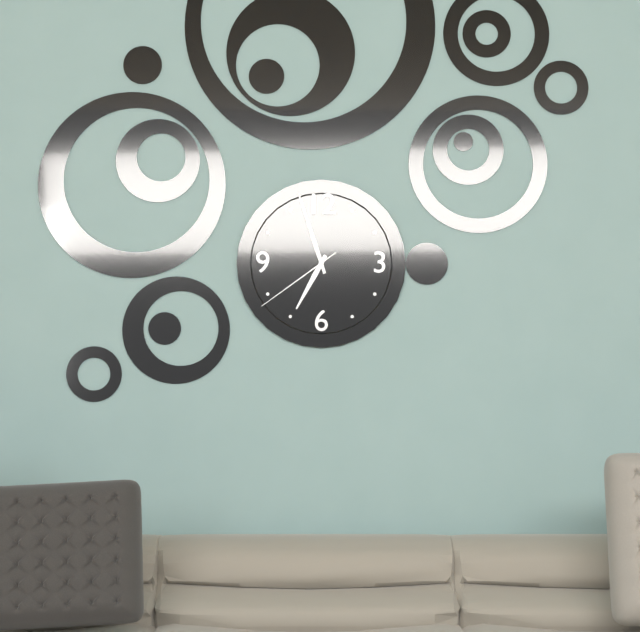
6:57:39
